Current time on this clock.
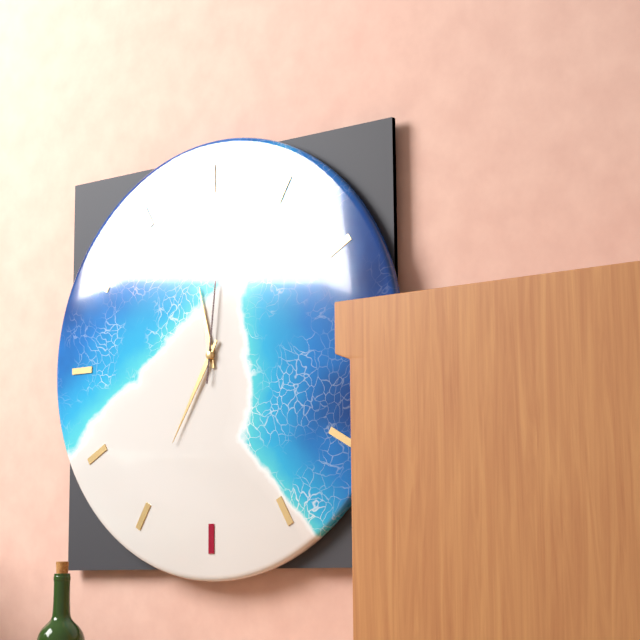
11:35:01
